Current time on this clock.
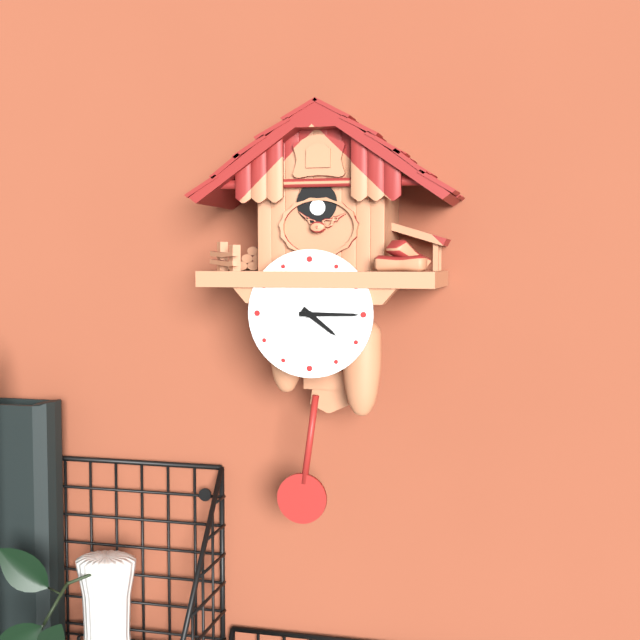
4:15
